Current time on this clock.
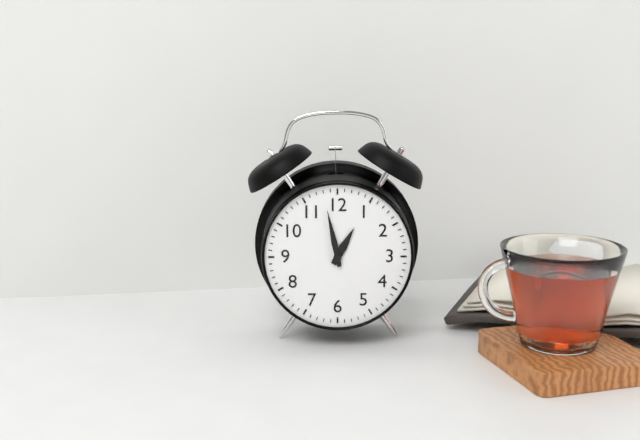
12:58
